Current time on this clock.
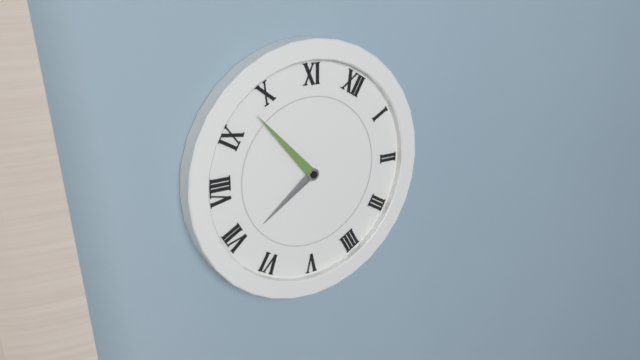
6:48
